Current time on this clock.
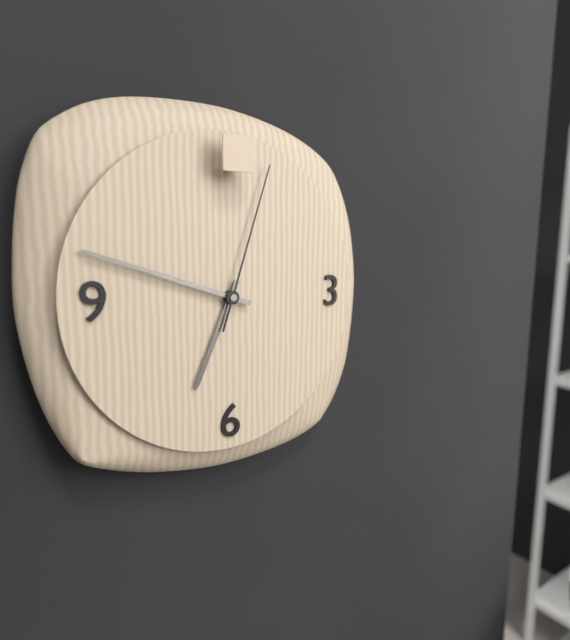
6:48:03
